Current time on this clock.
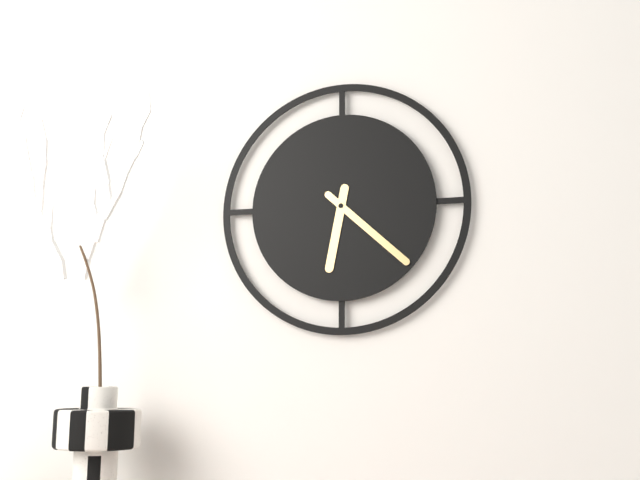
6:22
